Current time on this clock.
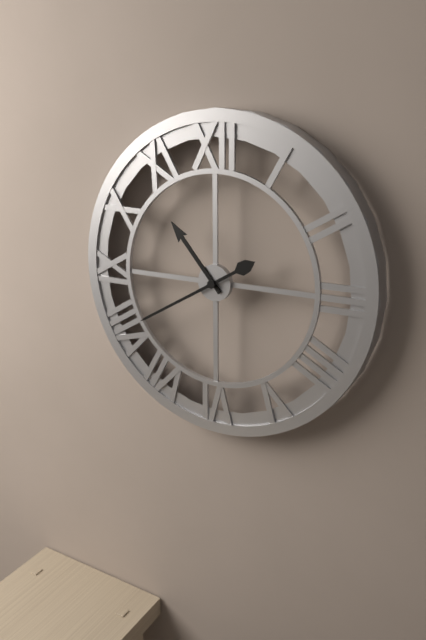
10:40
